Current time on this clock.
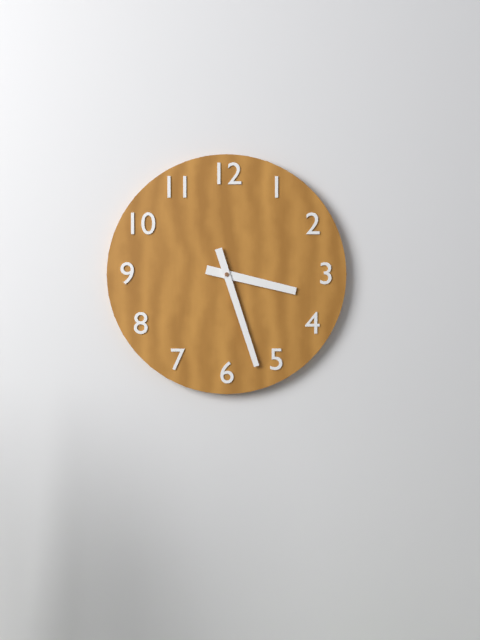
3:27
